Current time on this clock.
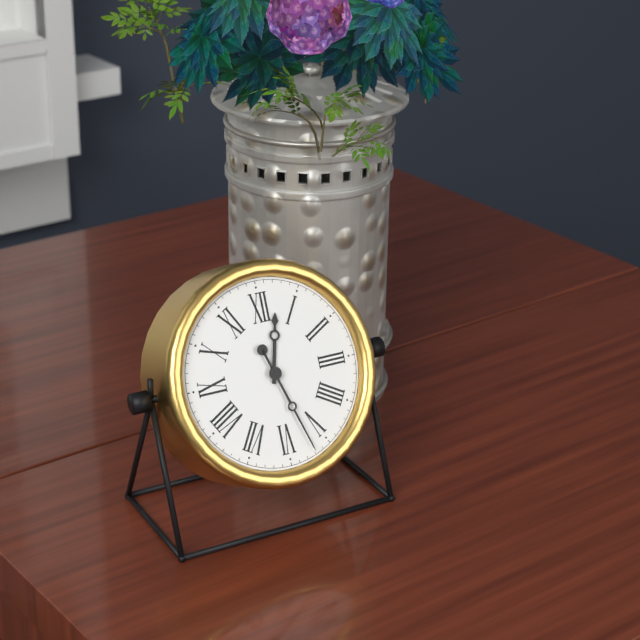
12:27
